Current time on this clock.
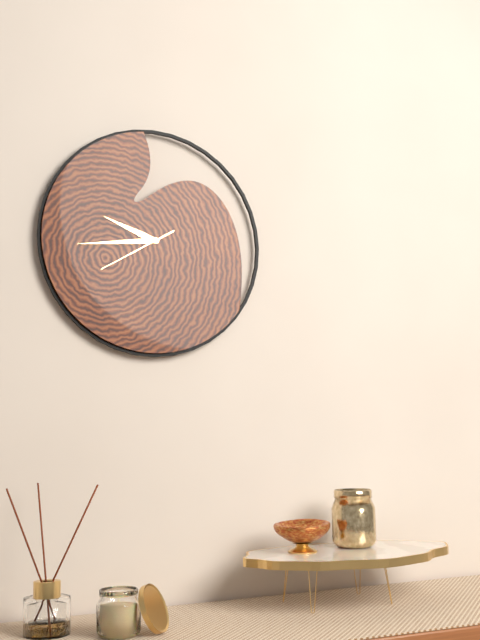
9:44:40
